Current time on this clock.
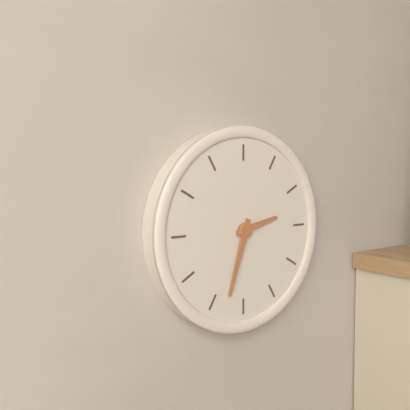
2:33
